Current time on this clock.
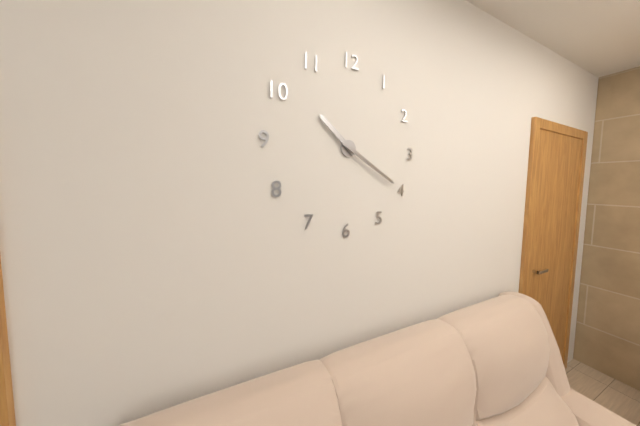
10:20
